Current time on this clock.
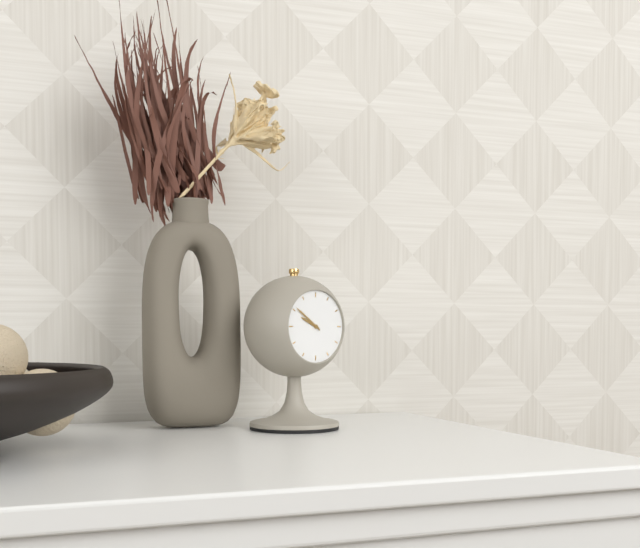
9:51
